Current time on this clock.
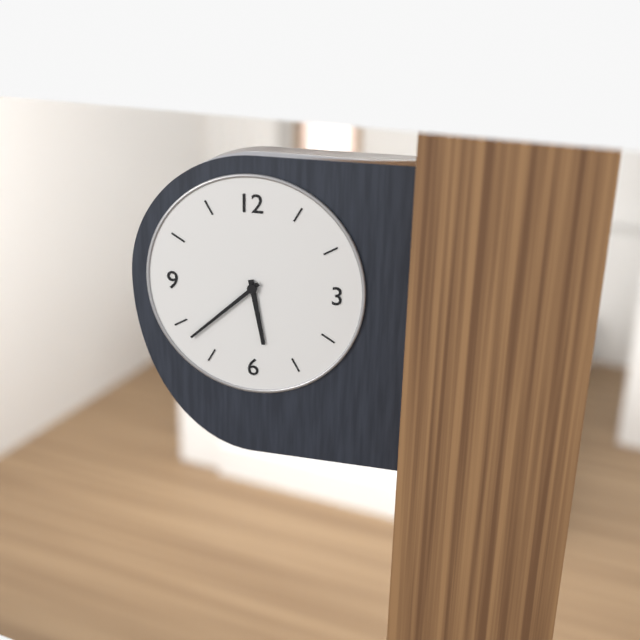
5:38
